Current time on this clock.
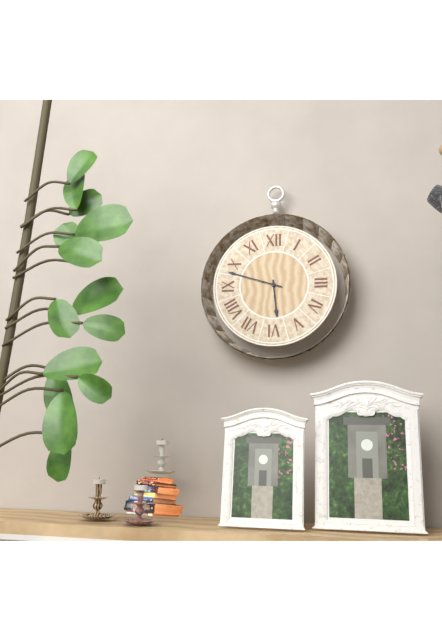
5:48
